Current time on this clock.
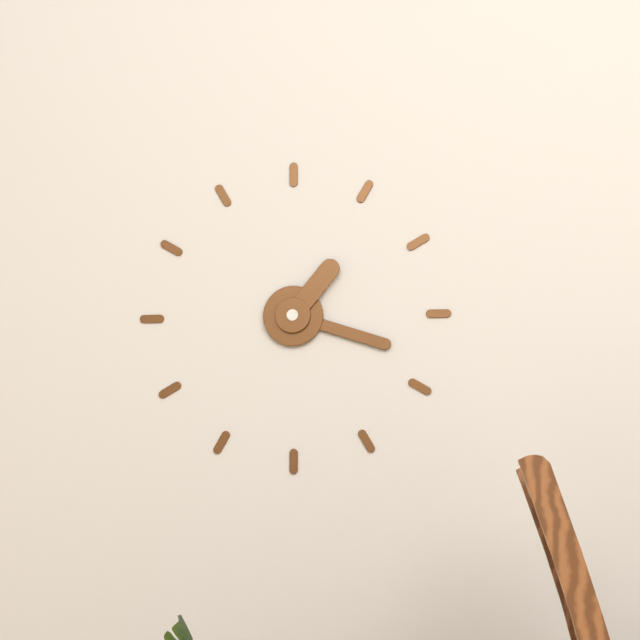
1:18
